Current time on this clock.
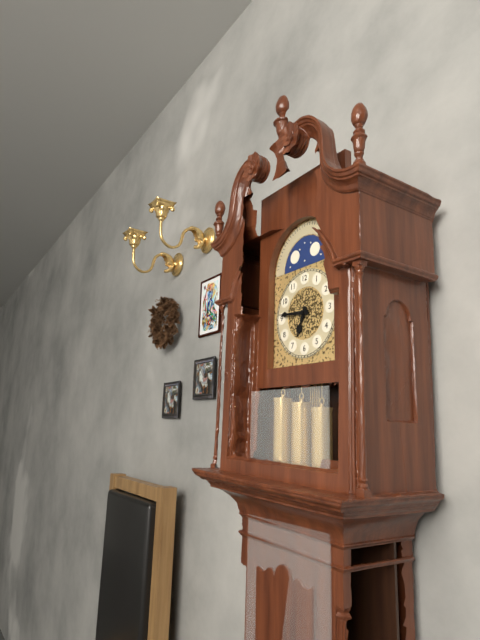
6:46
